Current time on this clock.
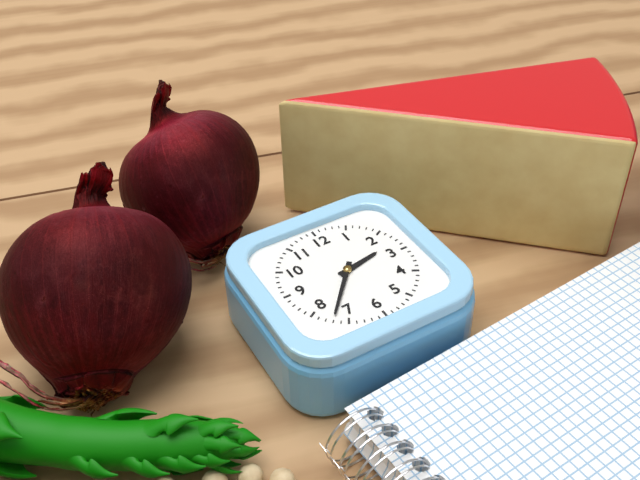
2:37
